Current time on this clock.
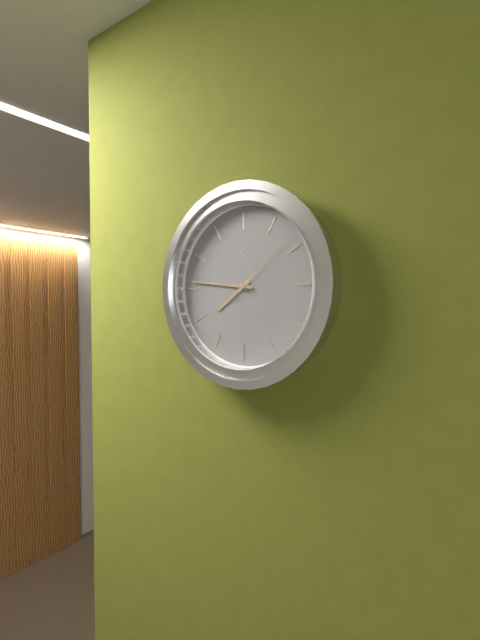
7:46:08
